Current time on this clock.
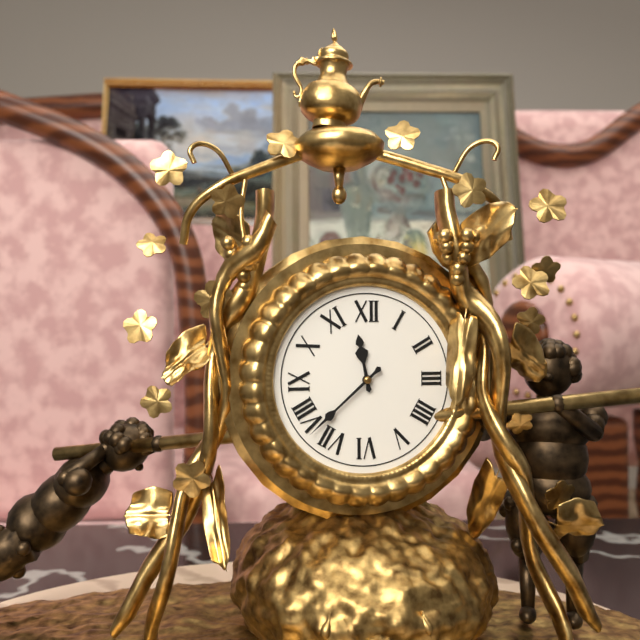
11:38
